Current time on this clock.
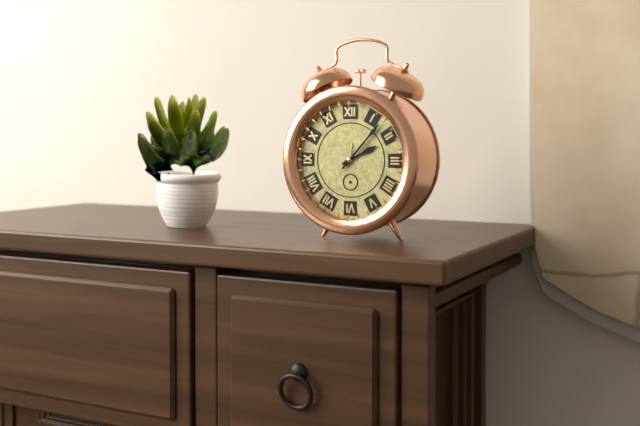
2:07
